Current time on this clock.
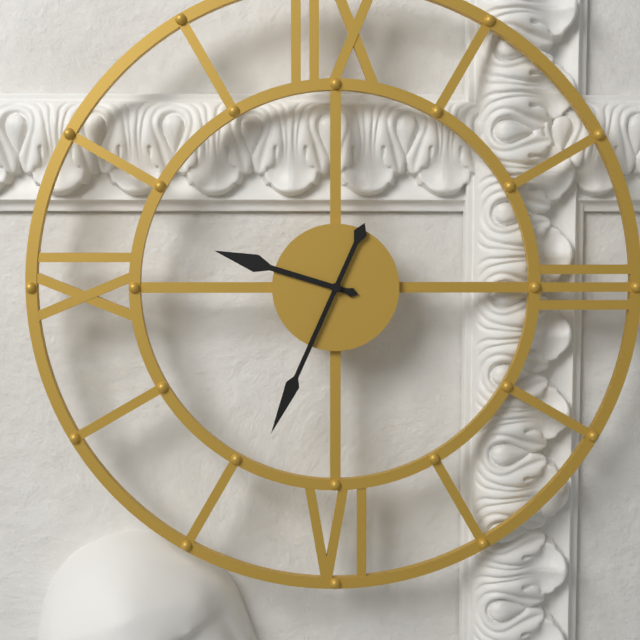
9:34
